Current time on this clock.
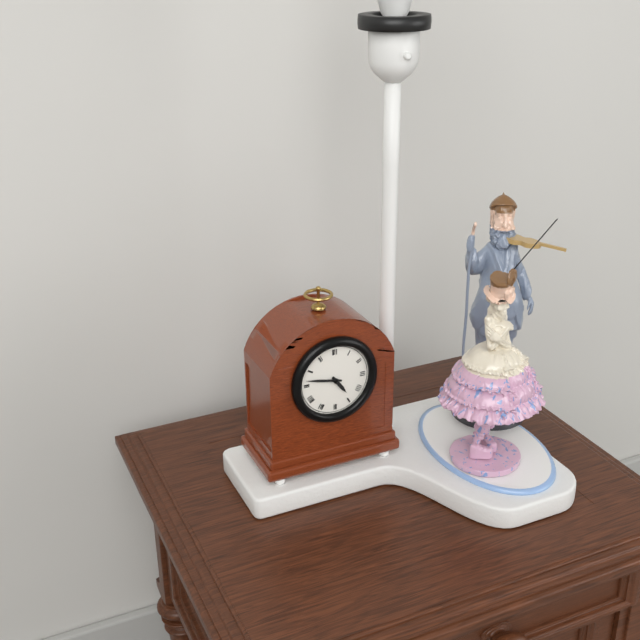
4:47
